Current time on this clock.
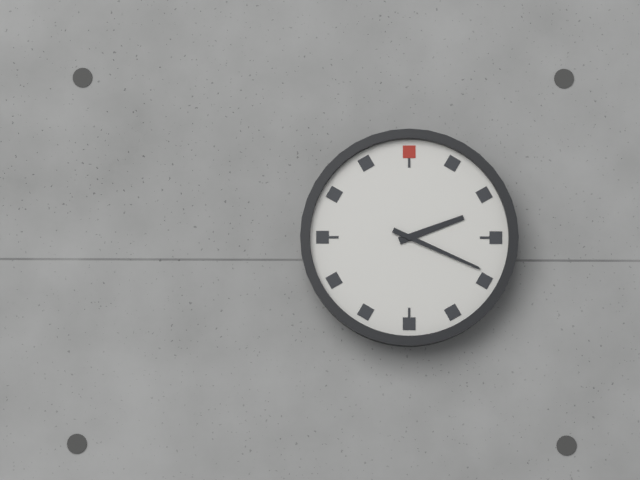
2:19
